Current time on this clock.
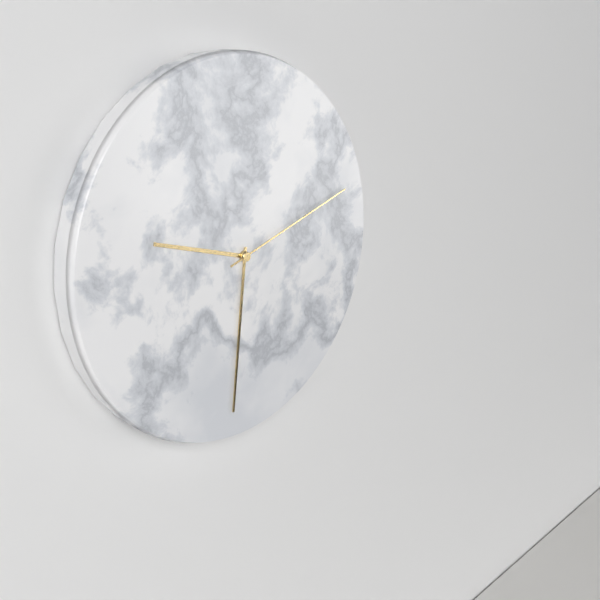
9:31:12
